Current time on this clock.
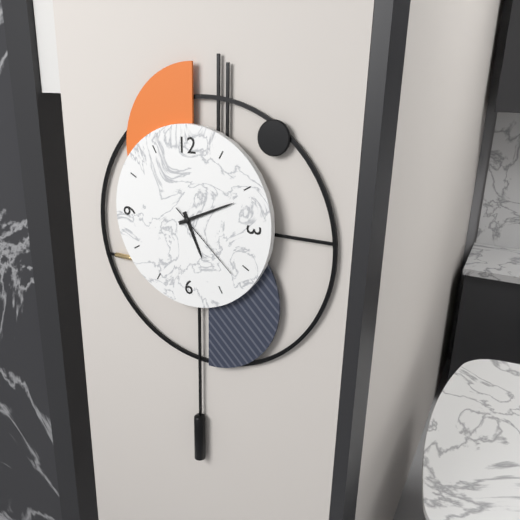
5:11:22
